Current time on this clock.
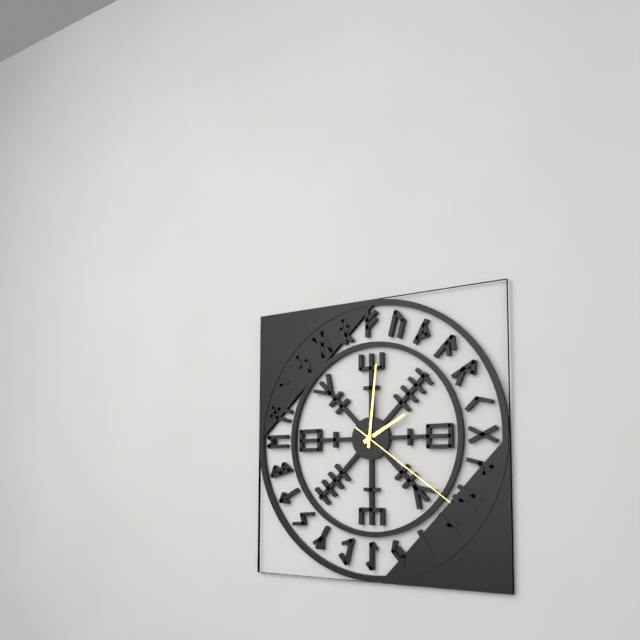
2:01:21
